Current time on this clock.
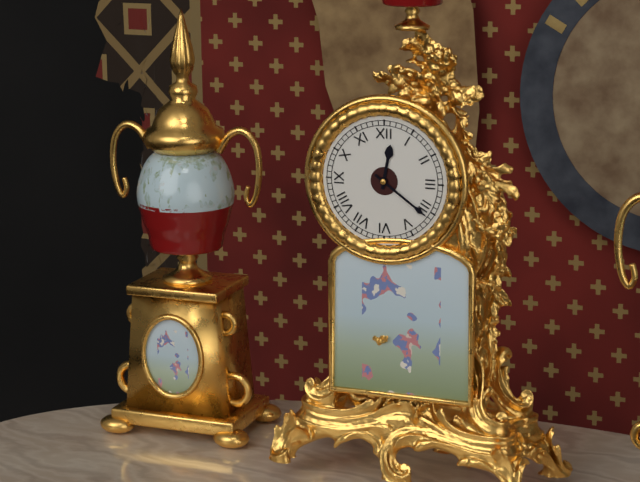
12:21
